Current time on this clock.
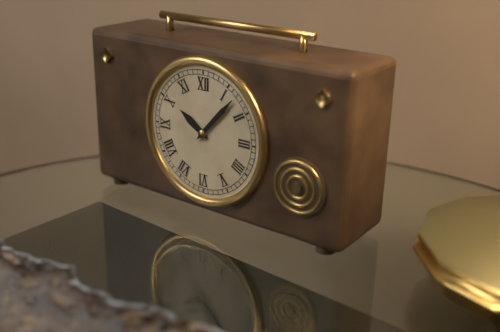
10:07
